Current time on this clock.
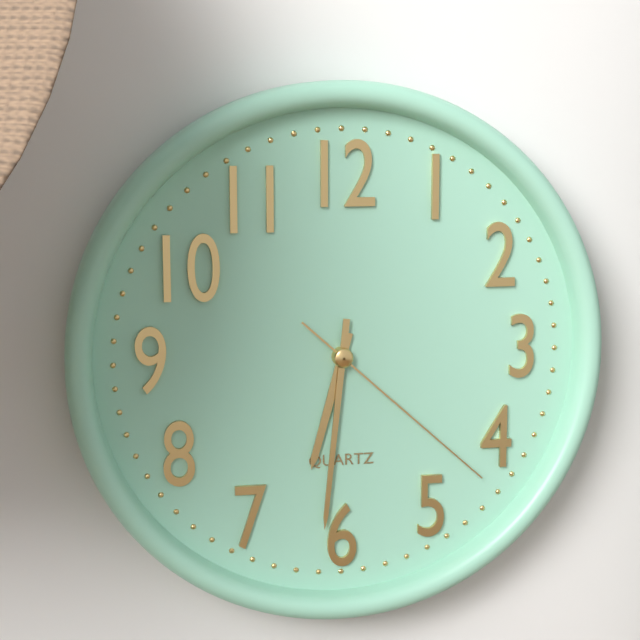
6:31:22
